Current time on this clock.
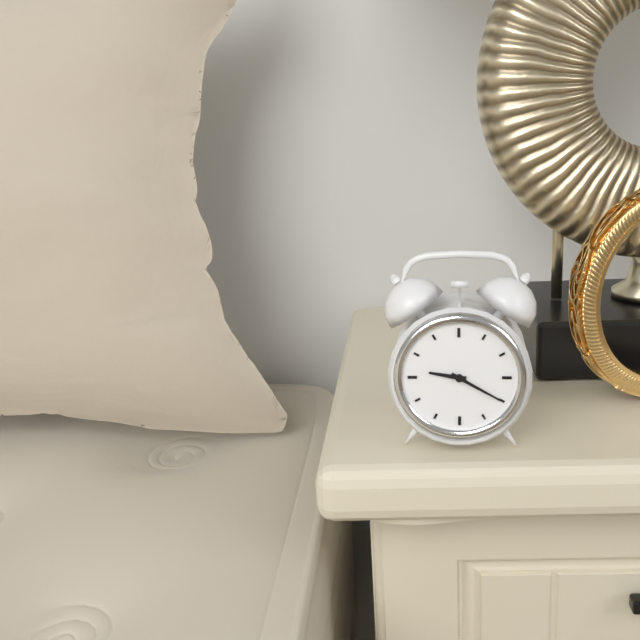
9:20
